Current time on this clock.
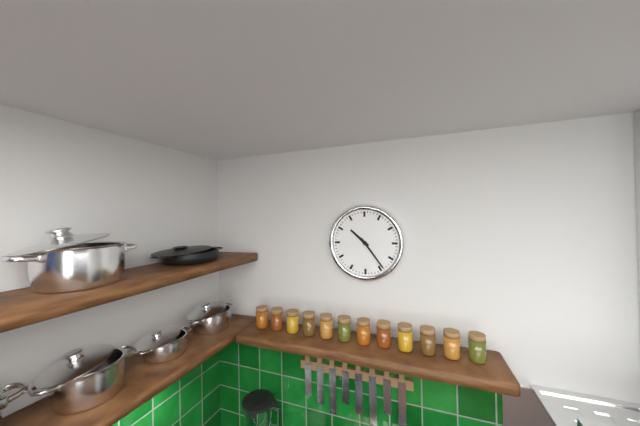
10:24
